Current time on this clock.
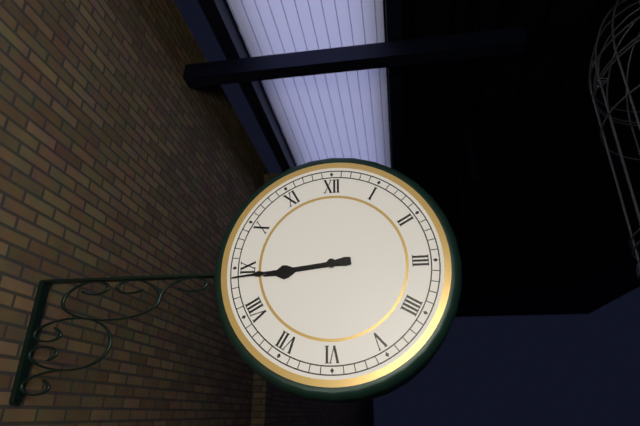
8:44
